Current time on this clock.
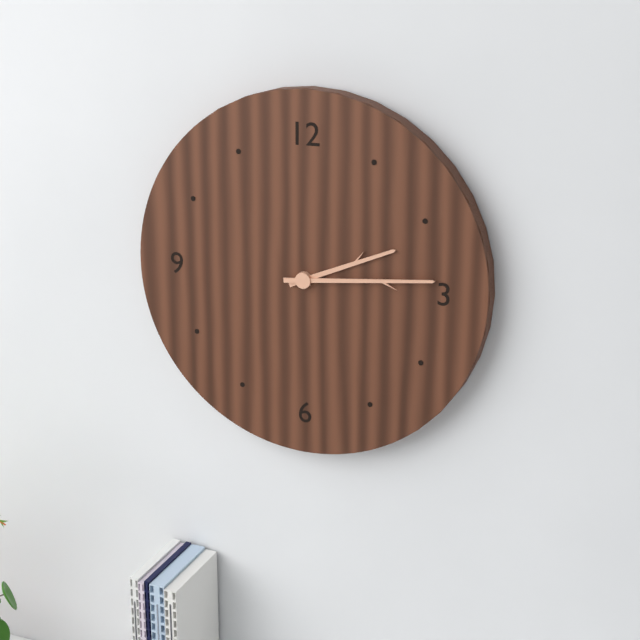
2:14
